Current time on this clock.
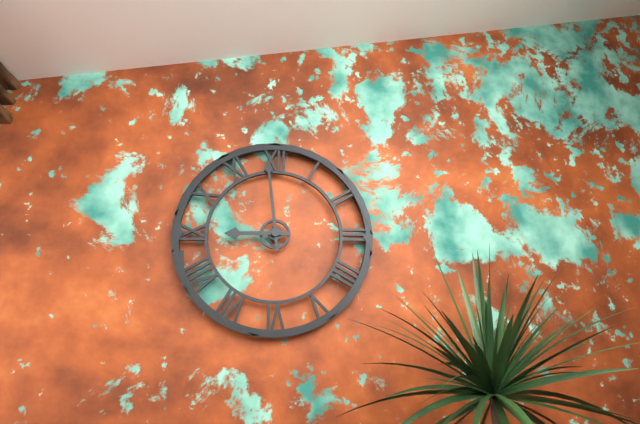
8:59
